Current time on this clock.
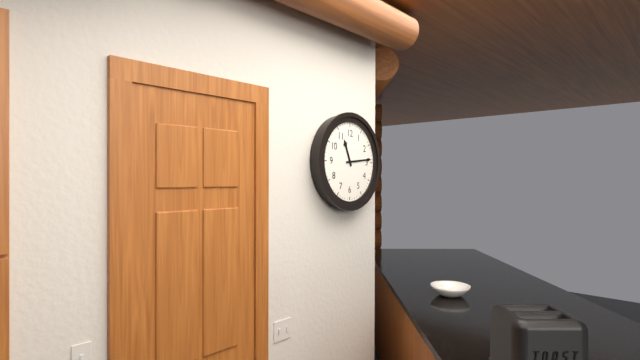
11:14
